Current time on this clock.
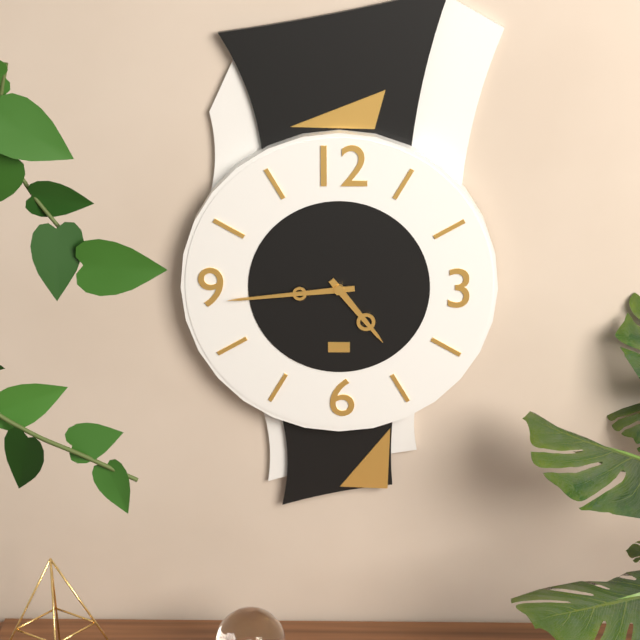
4:44
